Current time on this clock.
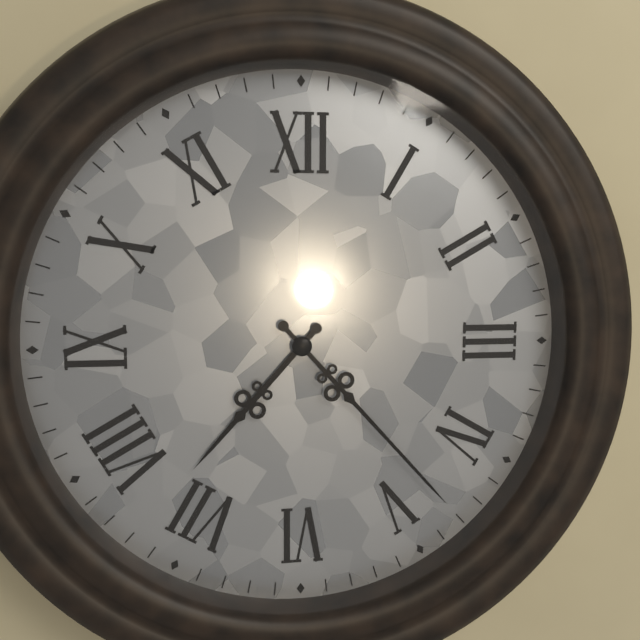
7:23
